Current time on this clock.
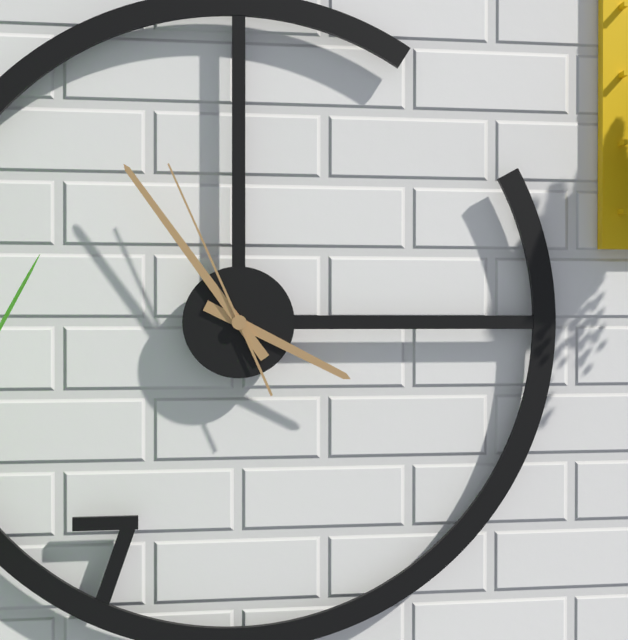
3:54:56
